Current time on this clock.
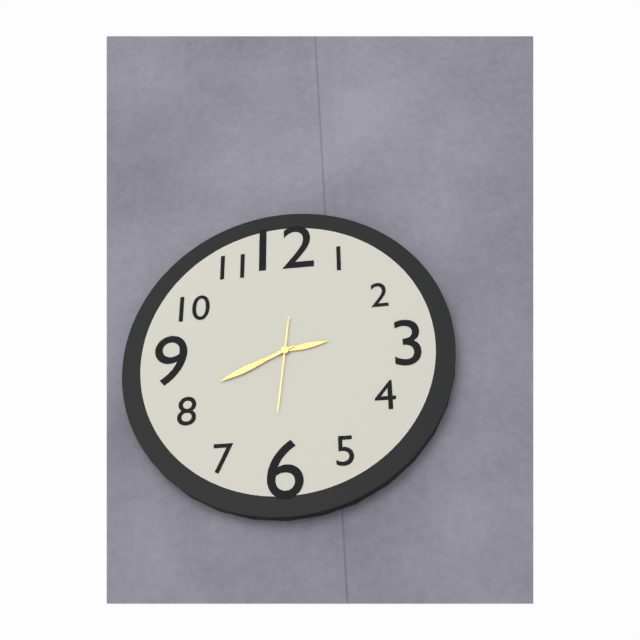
2:41:31
